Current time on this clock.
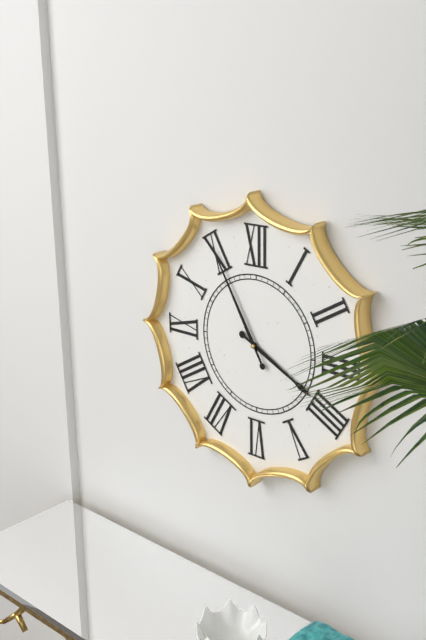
3:55
